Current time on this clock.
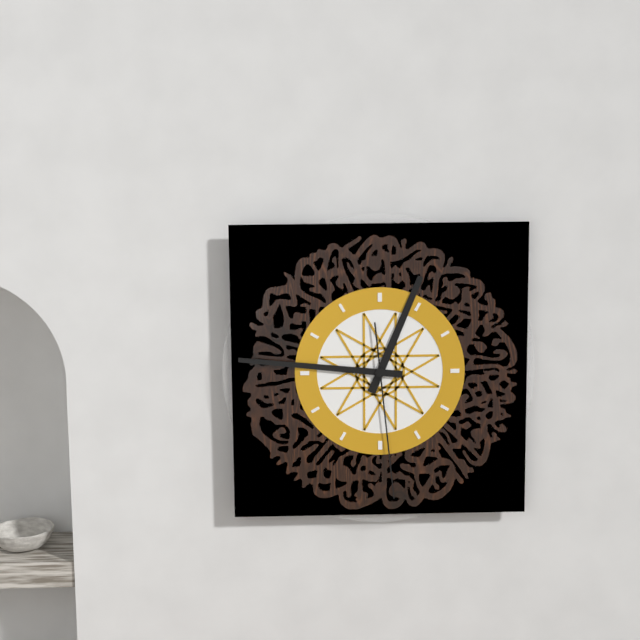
12:46:29
